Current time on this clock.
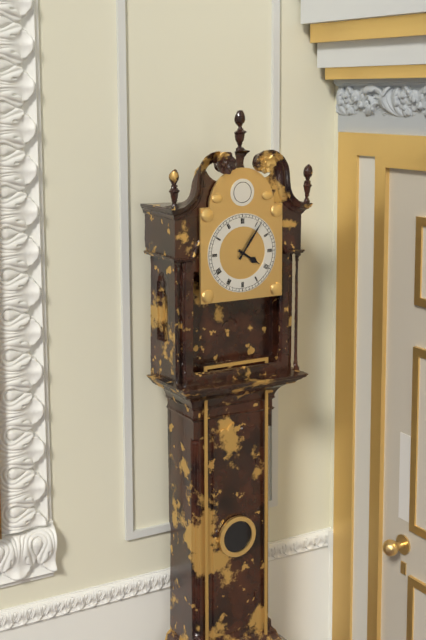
4:06
